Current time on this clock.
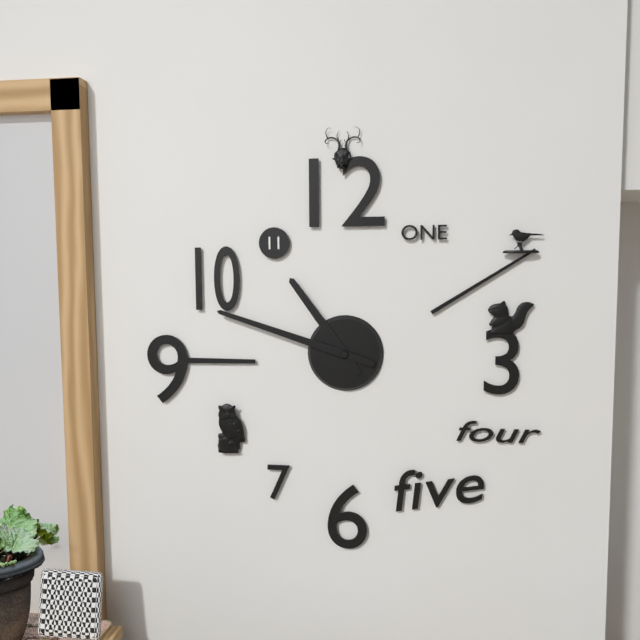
10:48
